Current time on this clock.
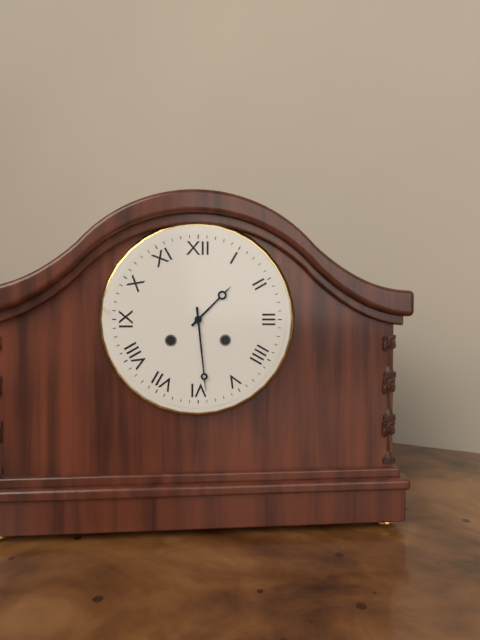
1:29
